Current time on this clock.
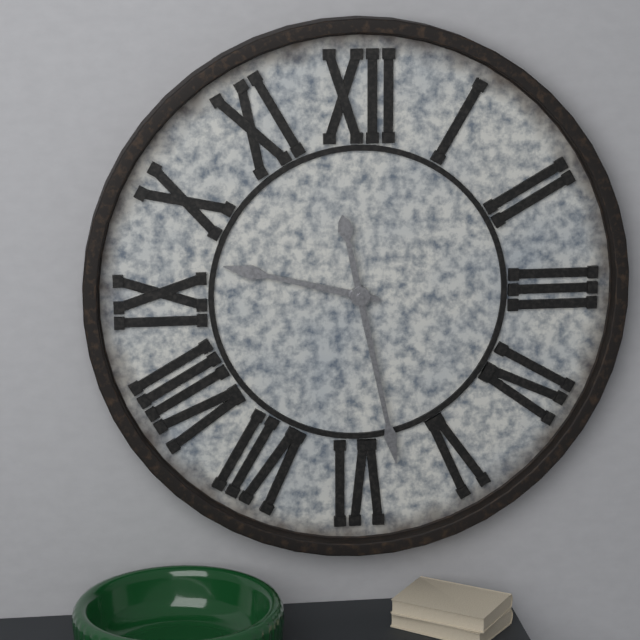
9:28
